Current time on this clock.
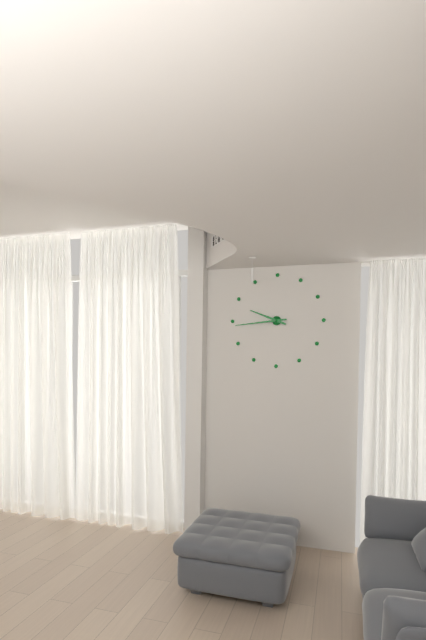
9:44
